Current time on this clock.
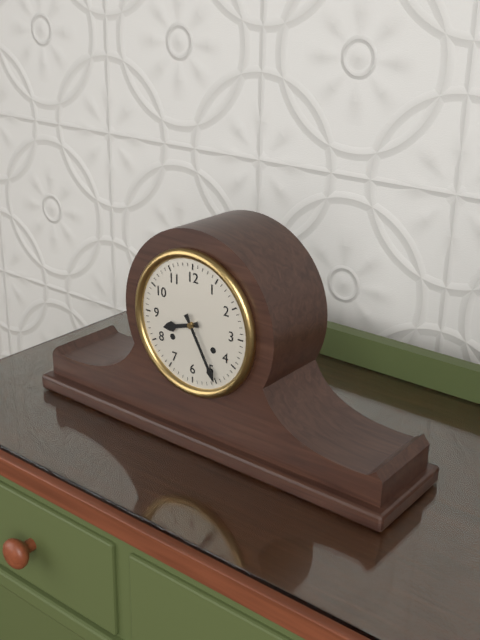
8:25
